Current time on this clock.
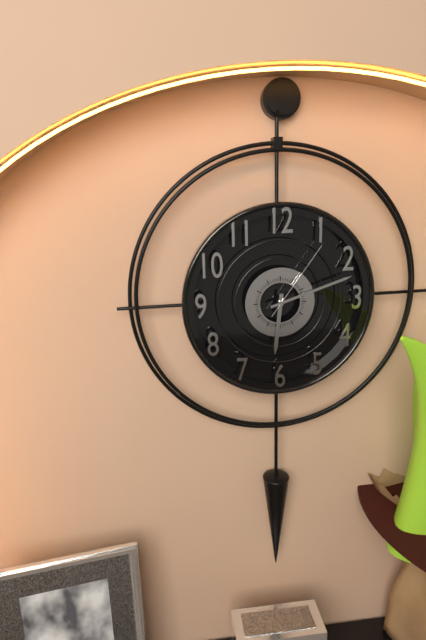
6:12:06
